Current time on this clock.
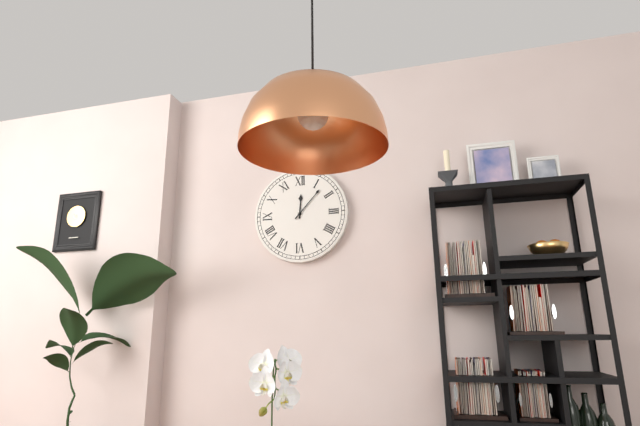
12:07
